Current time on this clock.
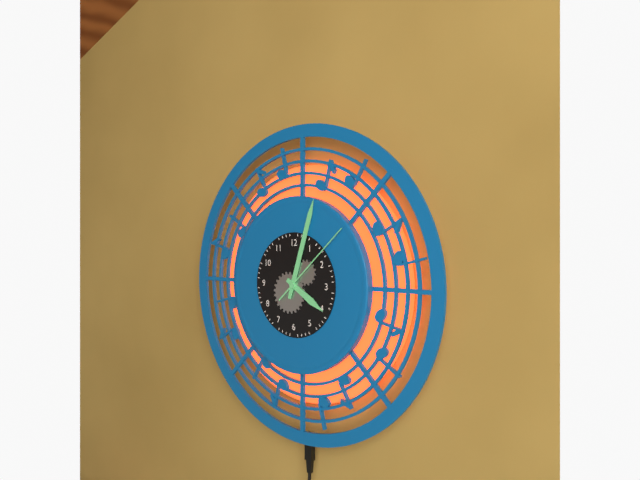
4:03:08
